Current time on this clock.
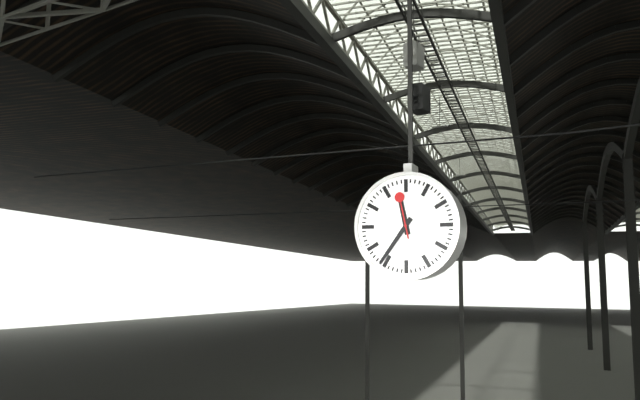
11:36
